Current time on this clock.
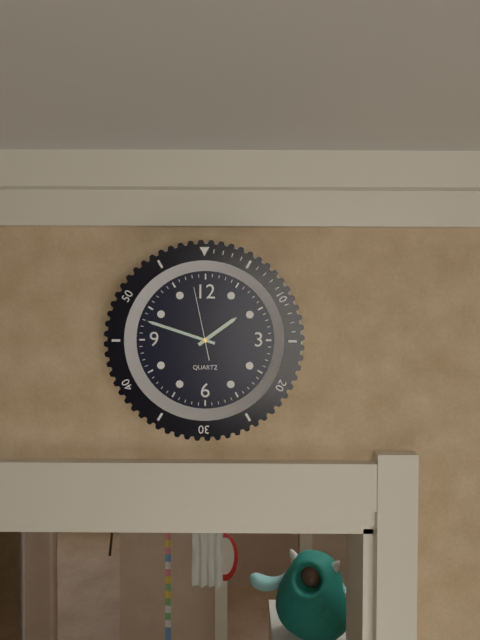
1:48:58
